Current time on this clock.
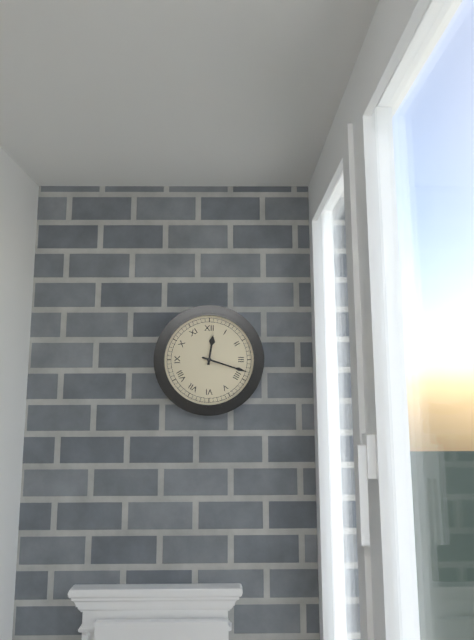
12:18
